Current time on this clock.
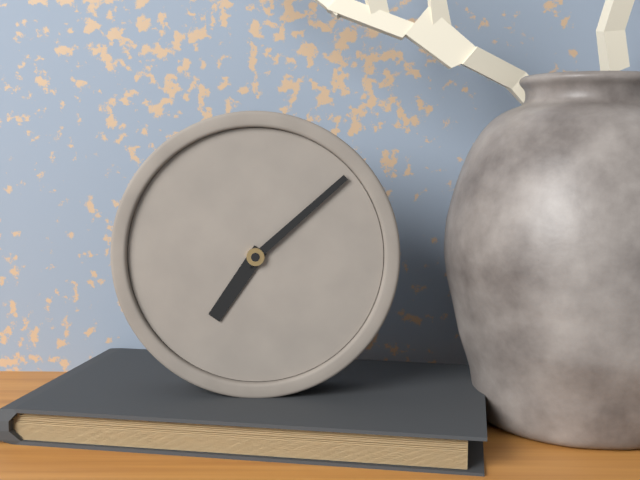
7:08
